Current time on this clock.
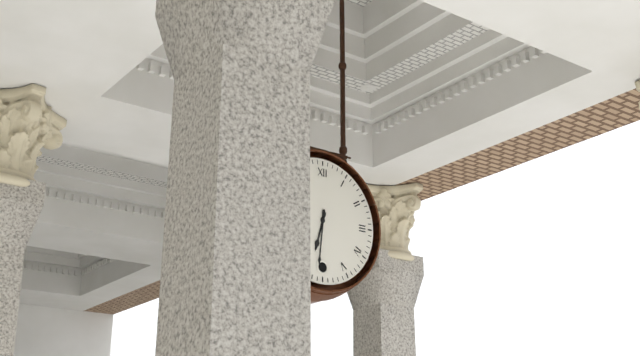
6:31
